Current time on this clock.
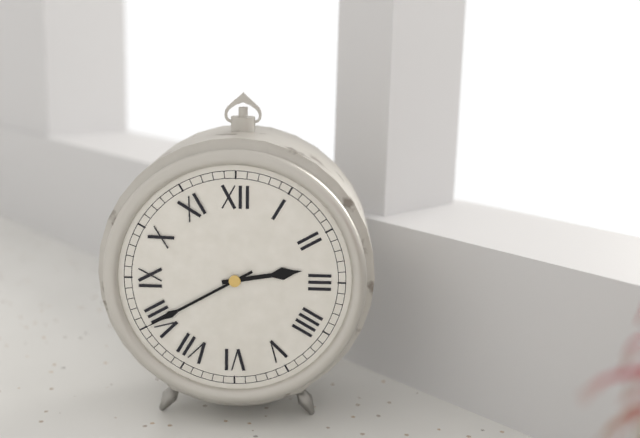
2:40
